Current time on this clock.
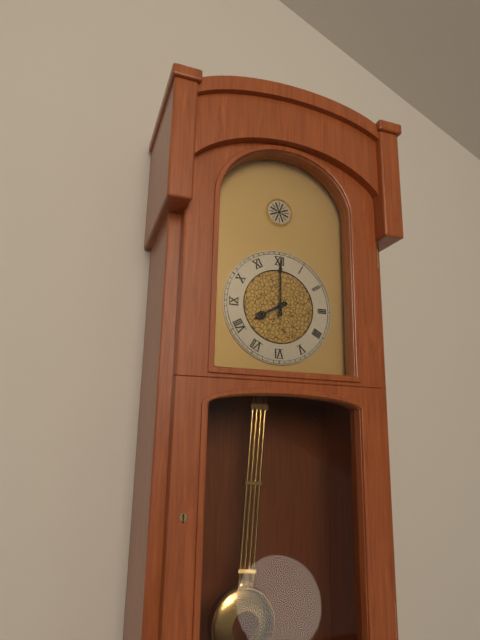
8:00
